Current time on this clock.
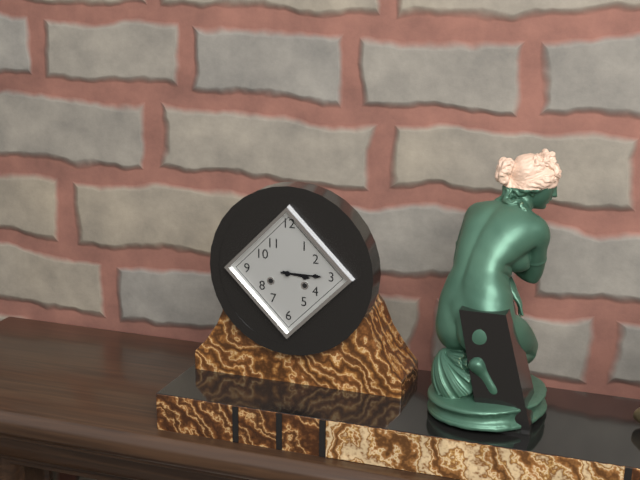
3:15
